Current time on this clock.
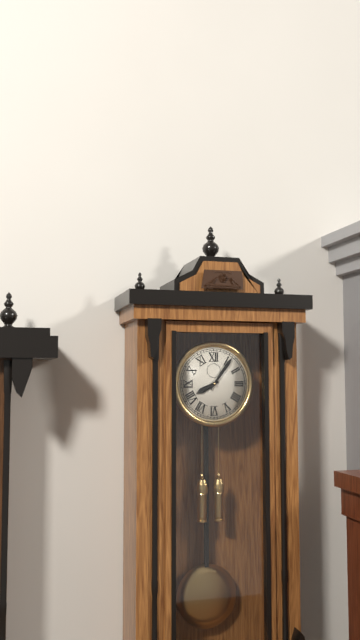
8:06
